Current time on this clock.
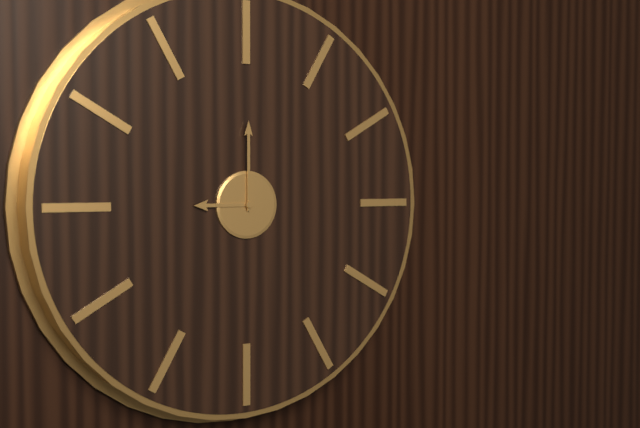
9:00
